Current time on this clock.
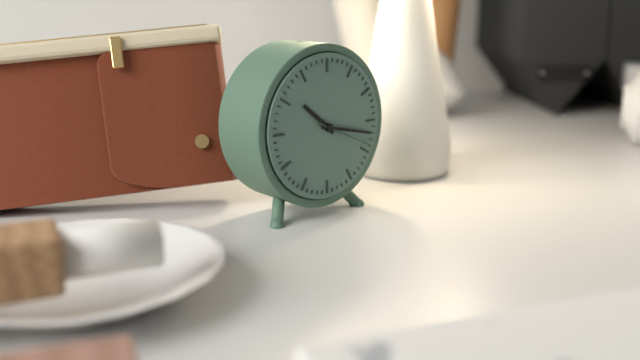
10:17:19
